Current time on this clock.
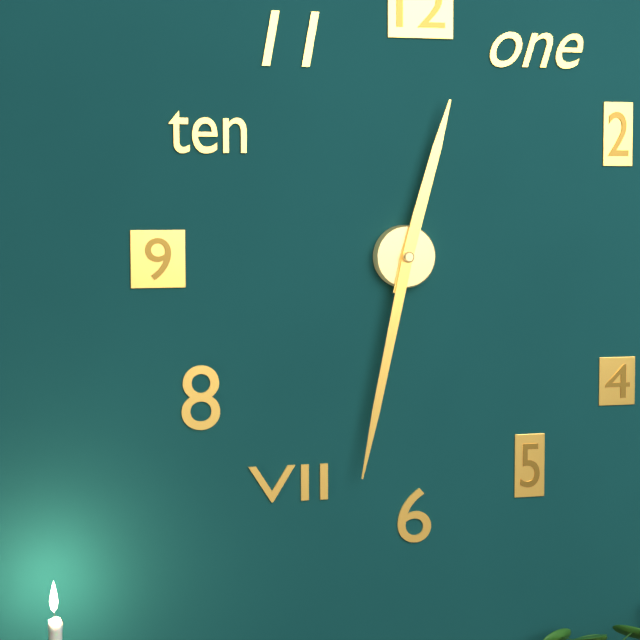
12:32
